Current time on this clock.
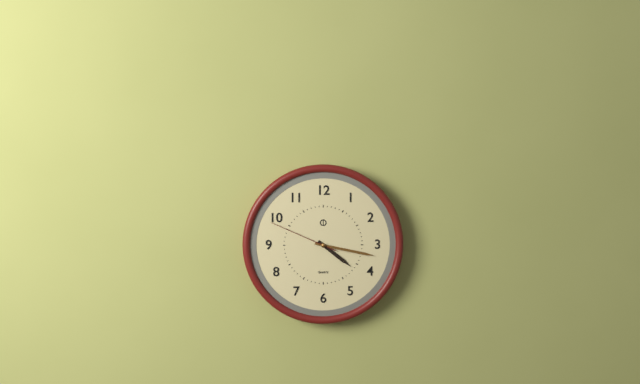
4:17:49
